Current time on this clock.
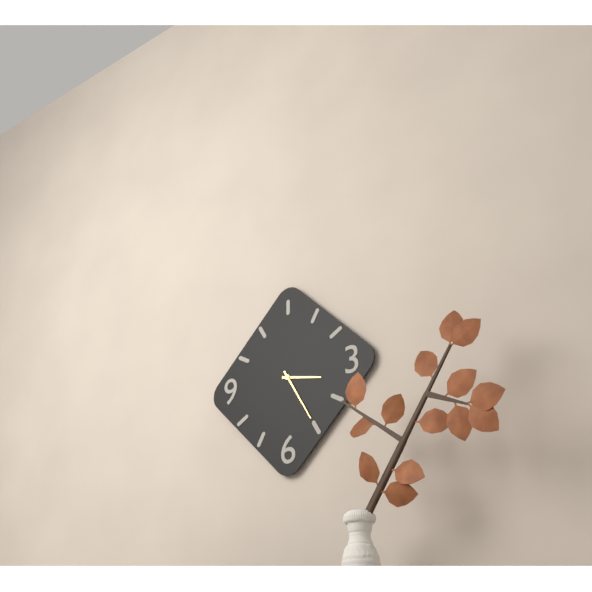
3:25
